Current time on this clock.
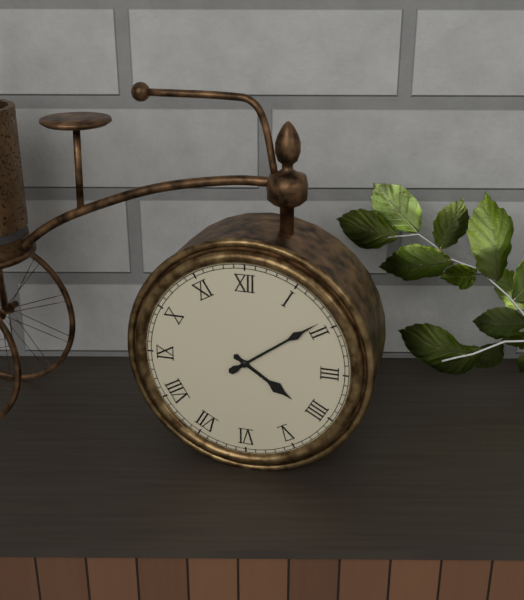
4:09
